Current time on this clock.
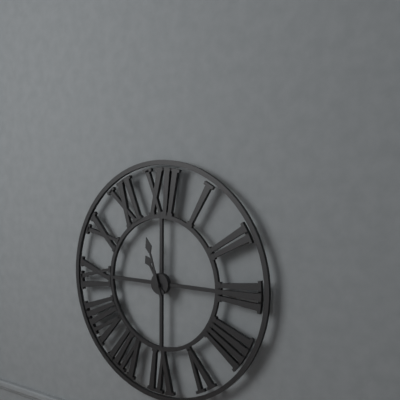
10:57
